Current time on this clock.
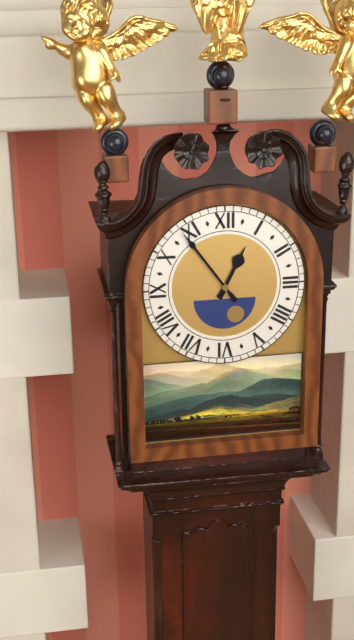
12:54
